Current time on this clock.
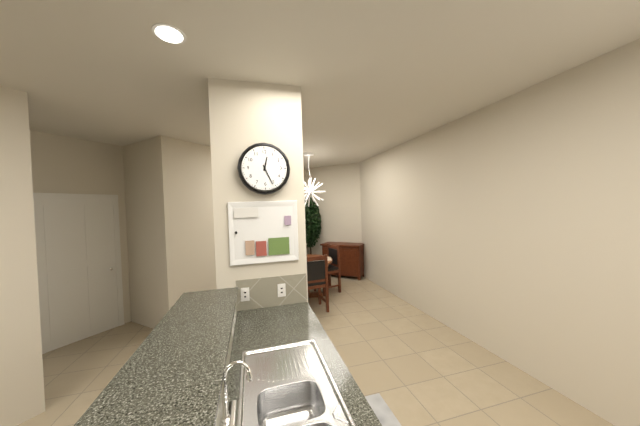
12:26
